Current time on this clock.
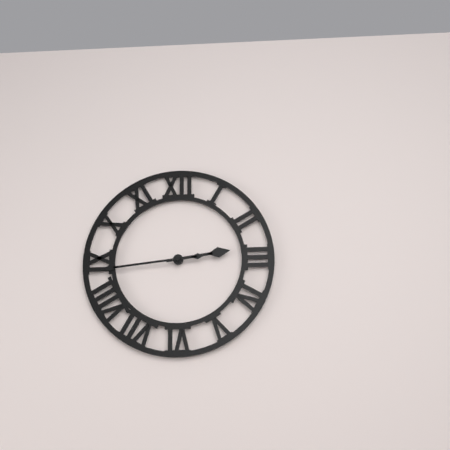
2:44
